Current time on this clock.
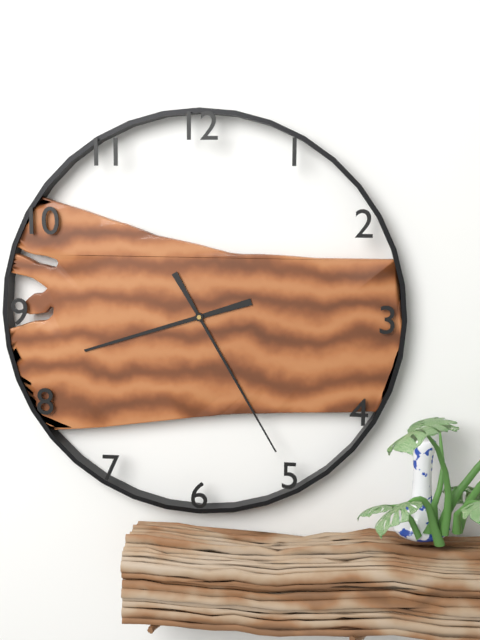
8:25
